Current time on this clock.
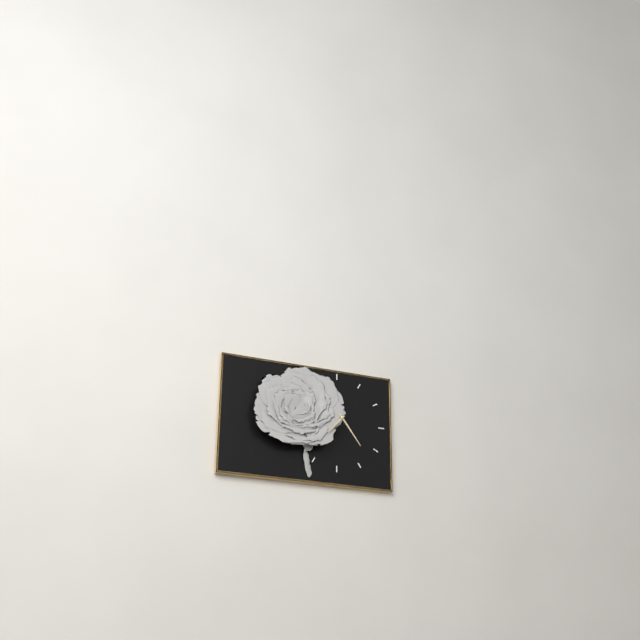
7:24
